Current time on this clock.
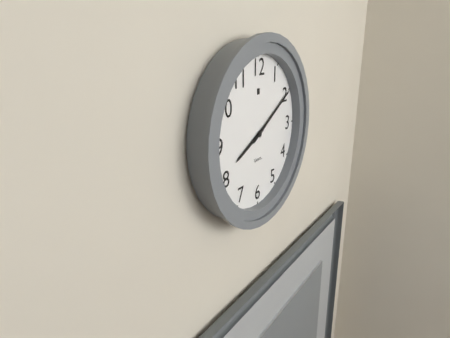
8:10
